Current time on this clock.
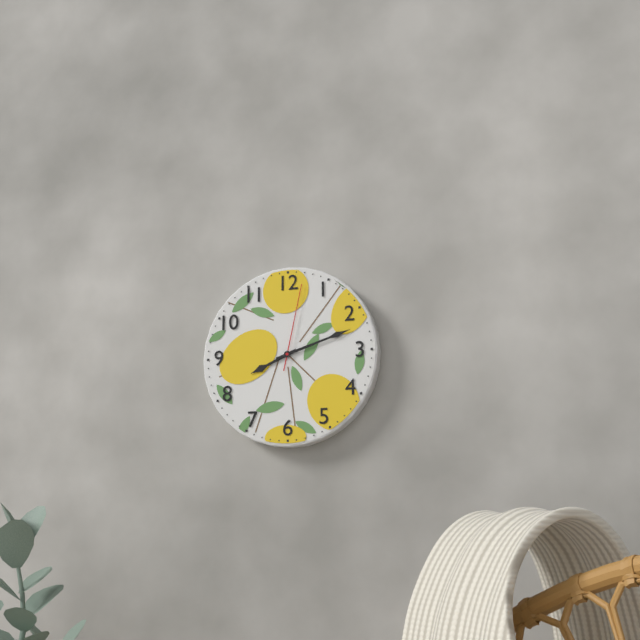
8:12:02
